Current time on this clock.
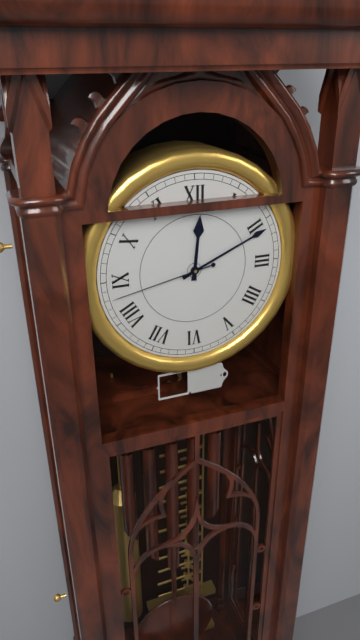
12:11:43
